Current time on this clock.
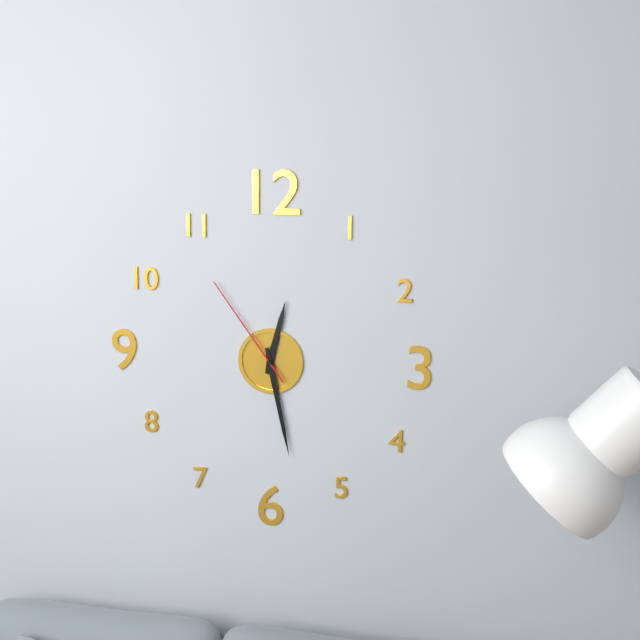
12:28:54
